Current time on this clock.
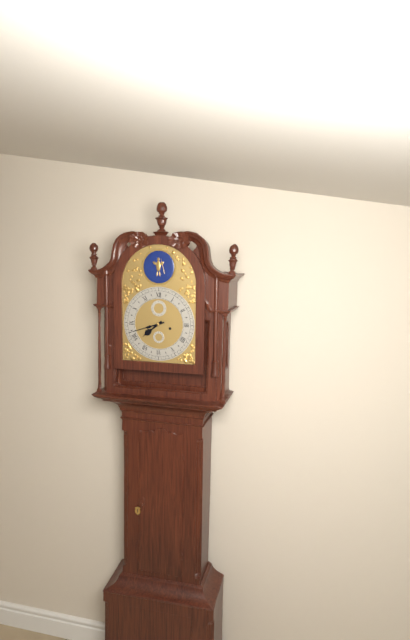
7:42
